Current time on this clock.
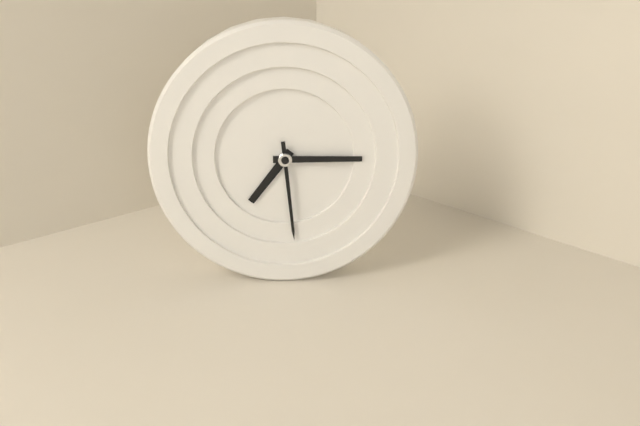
7:15:29
